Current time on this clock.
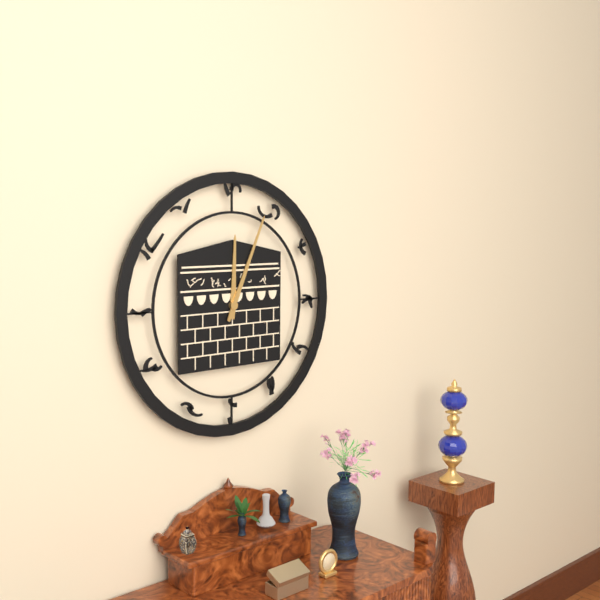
12:04
